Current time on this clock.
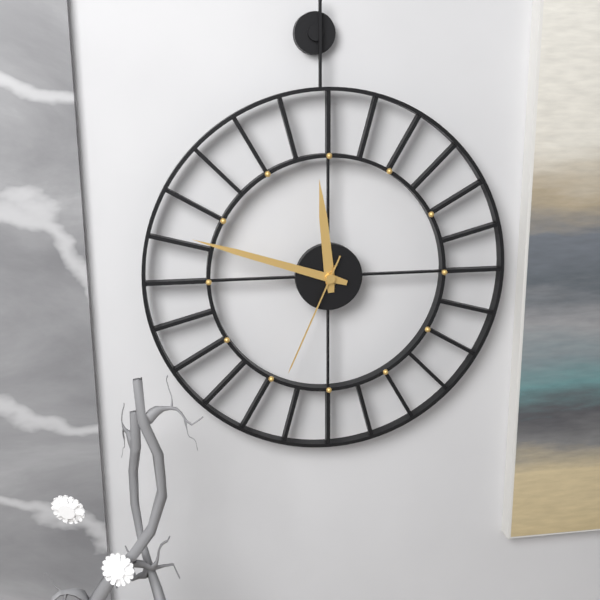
11:48:34
